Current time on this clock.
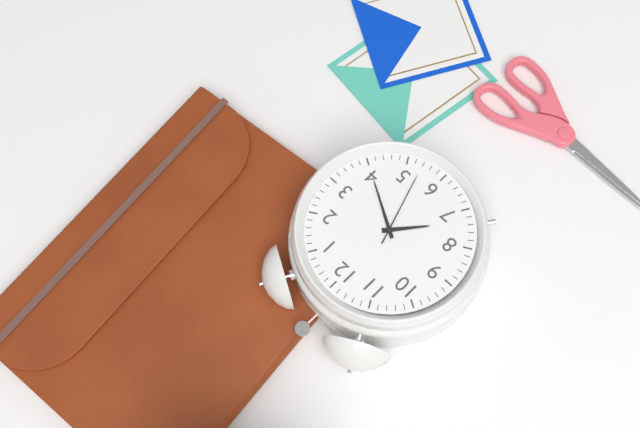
7:20:27
